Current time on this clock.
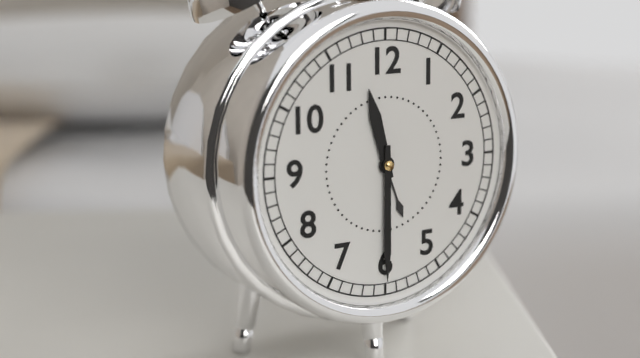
11:30
